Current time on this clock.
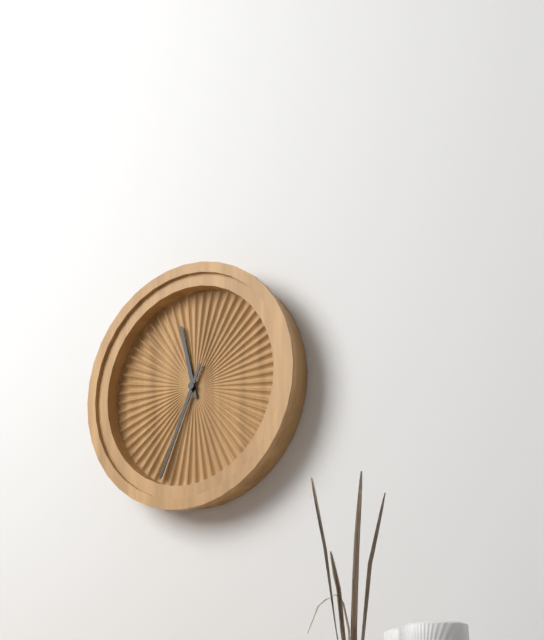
11:34
